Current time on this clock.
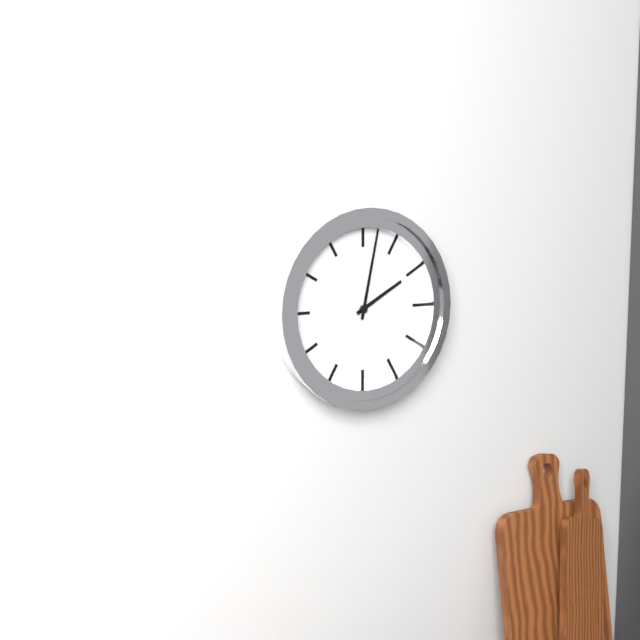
2:02
